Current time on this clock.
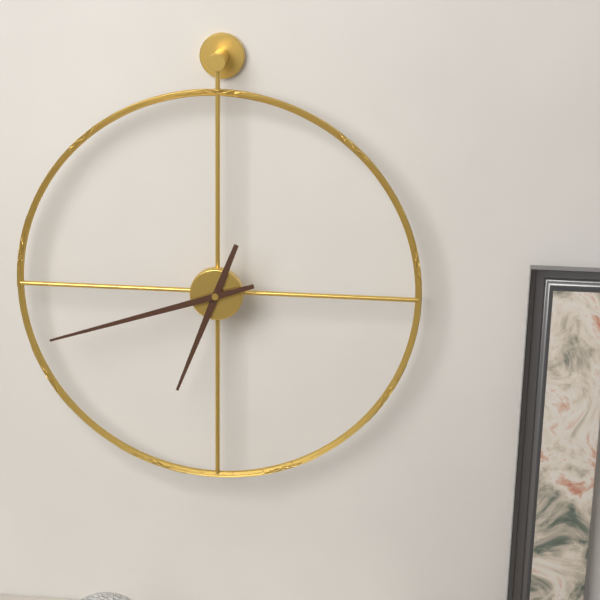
6:42
